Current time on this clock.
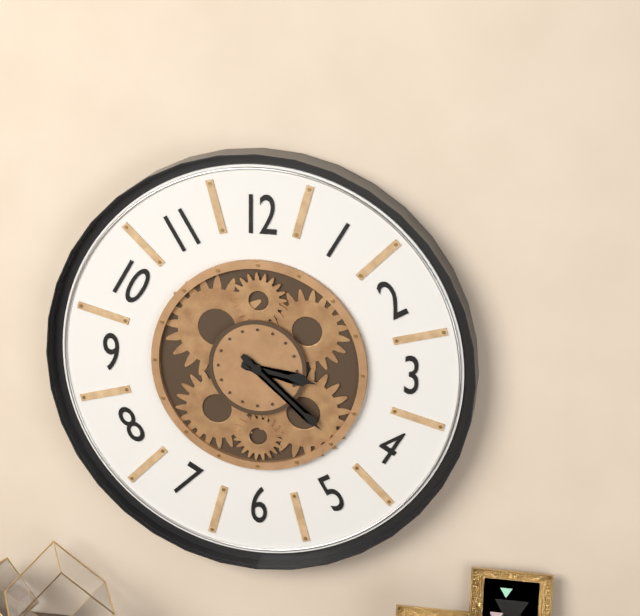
3:22
